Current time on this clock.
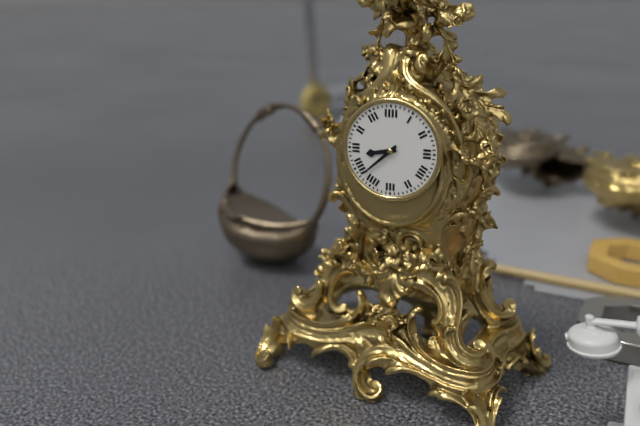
8:38
